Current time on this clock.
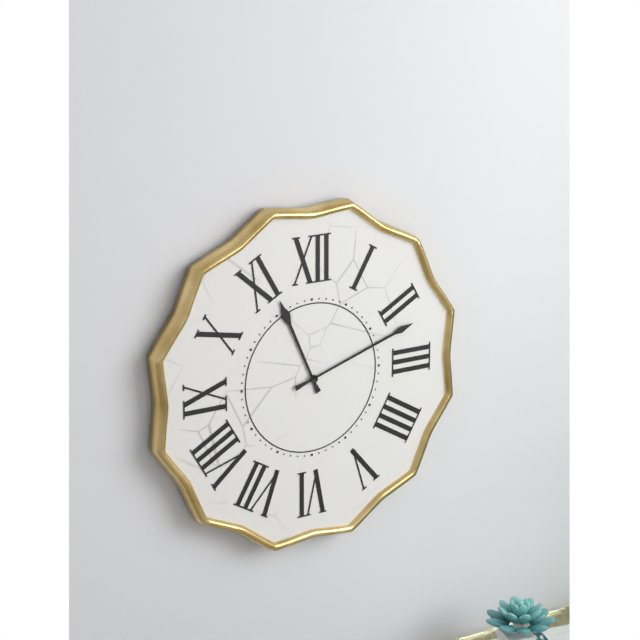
11:12
